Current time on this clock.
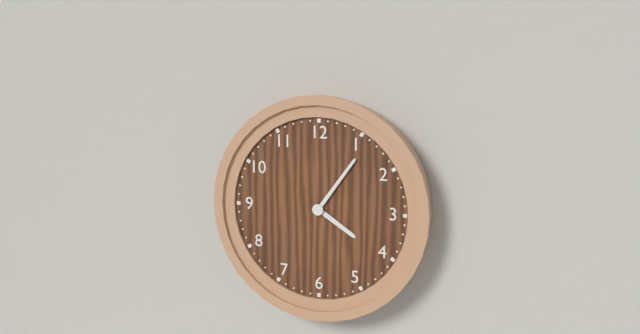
4:06
